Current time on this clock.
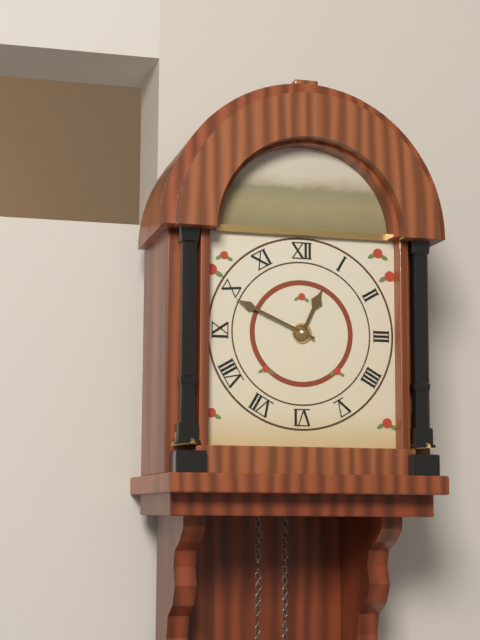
12:49
